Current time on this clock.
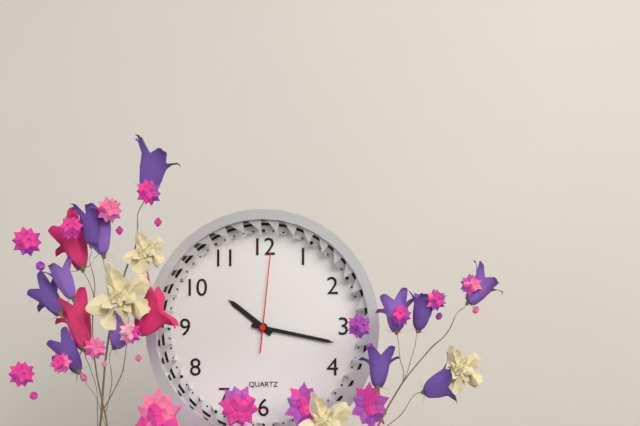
10:17:01
